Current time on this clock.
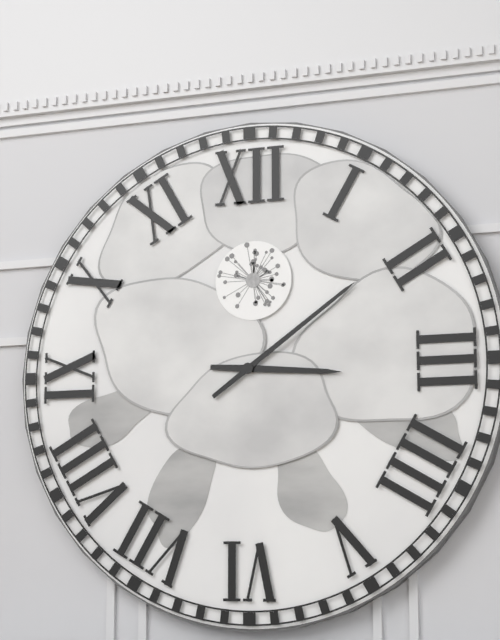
3:09
